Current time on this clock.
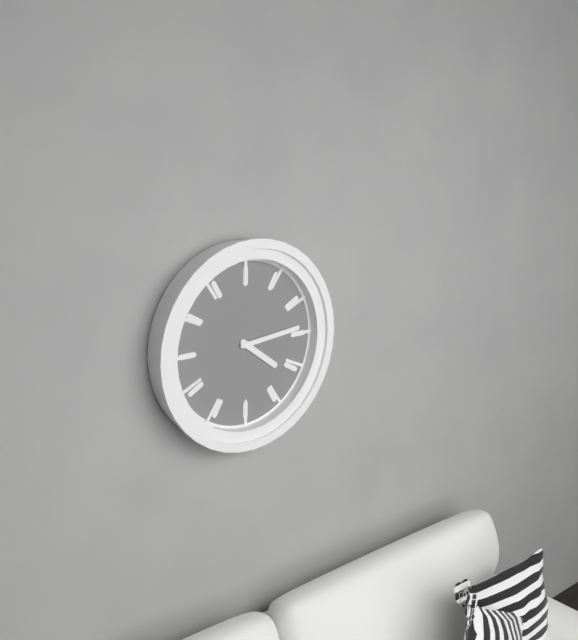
4:14
